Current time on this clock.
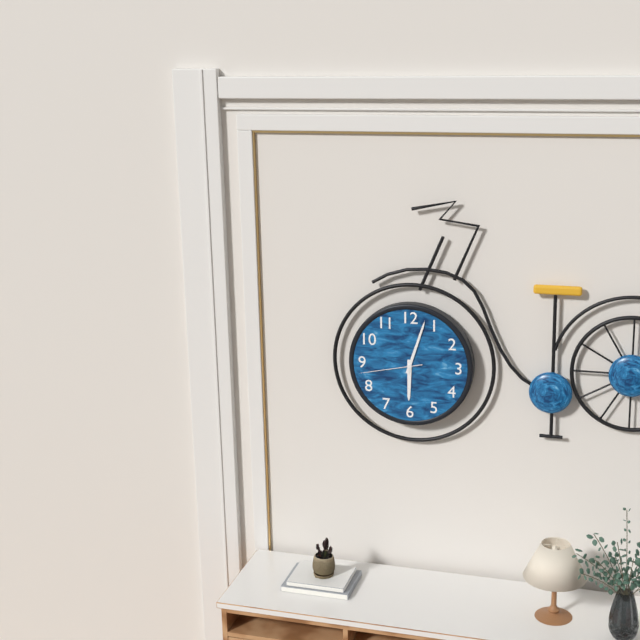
6:03:43
